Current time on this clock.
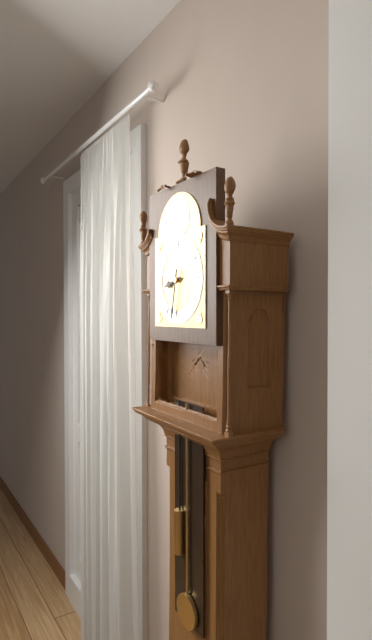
8:32
